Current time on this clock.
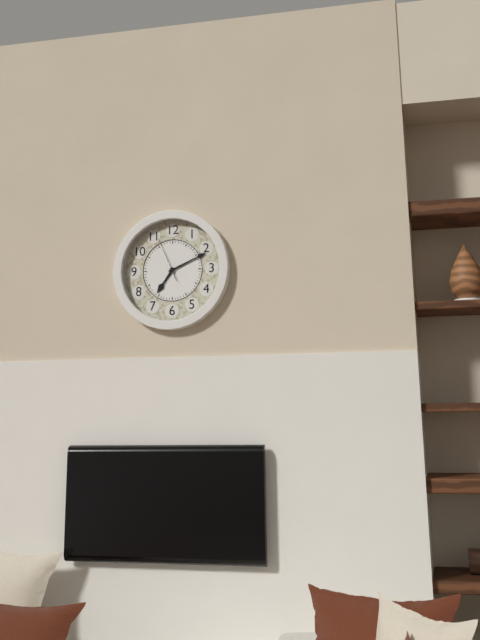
7:11
